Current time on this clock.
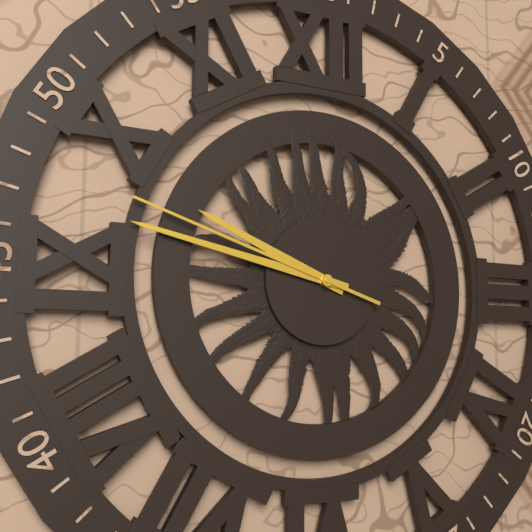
9:47:48
